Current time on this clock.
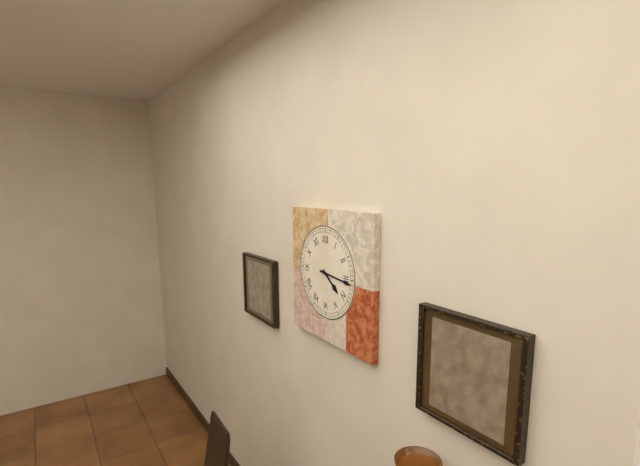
4:16
